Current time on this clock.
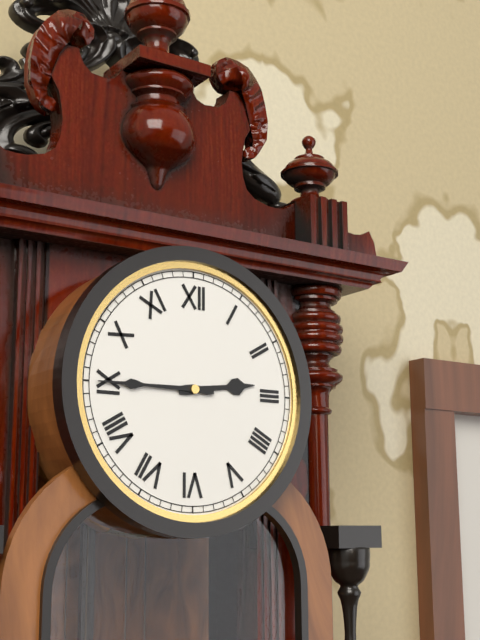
2:45
